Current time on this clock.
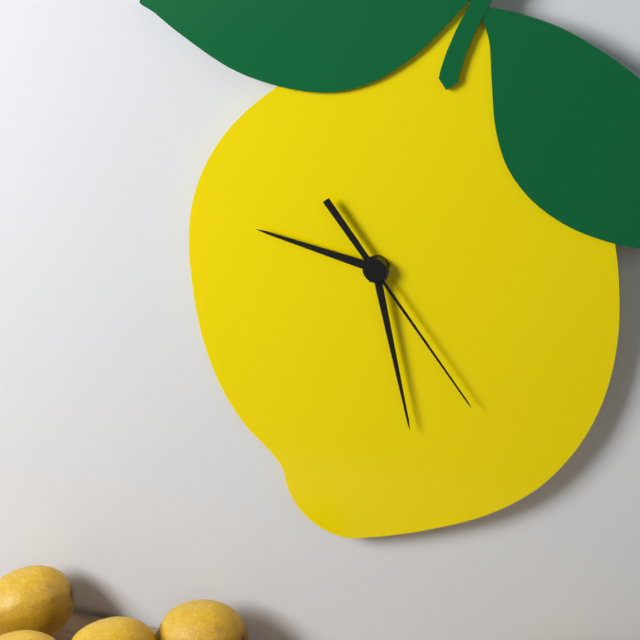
9:28:24
